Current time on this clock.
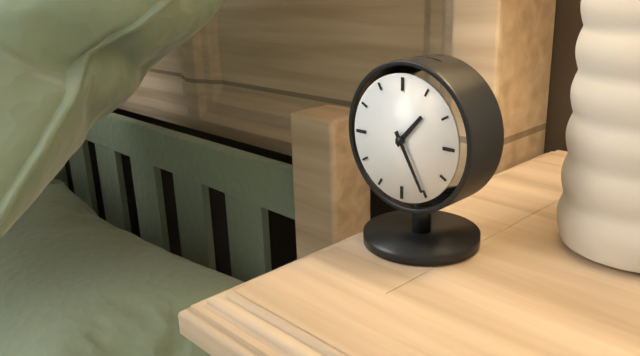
1:25
